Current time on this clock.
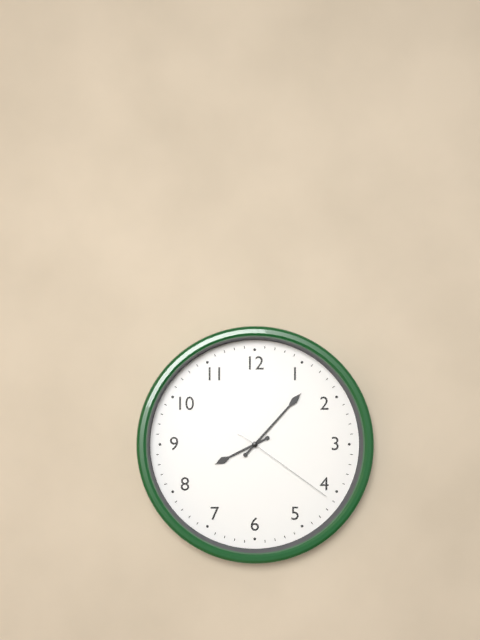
8:07:21
